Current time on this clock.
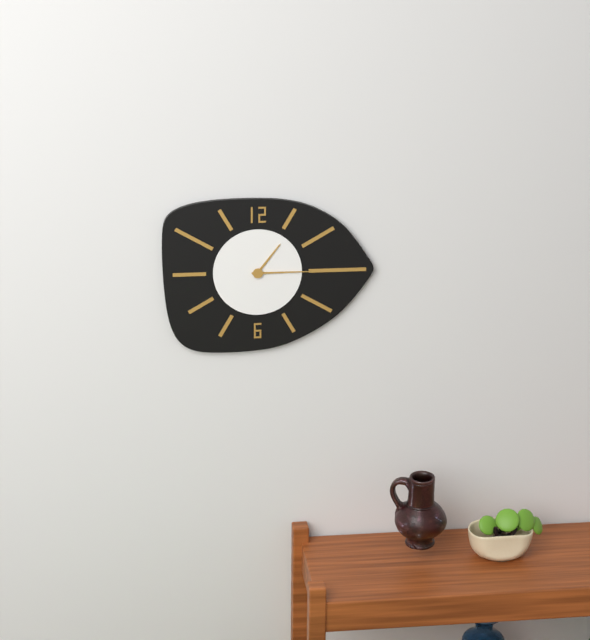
1:15
